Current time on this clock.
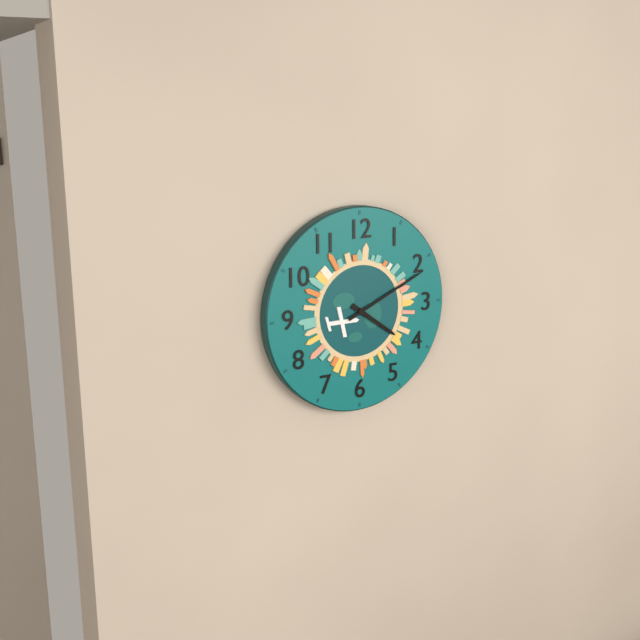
4:11
